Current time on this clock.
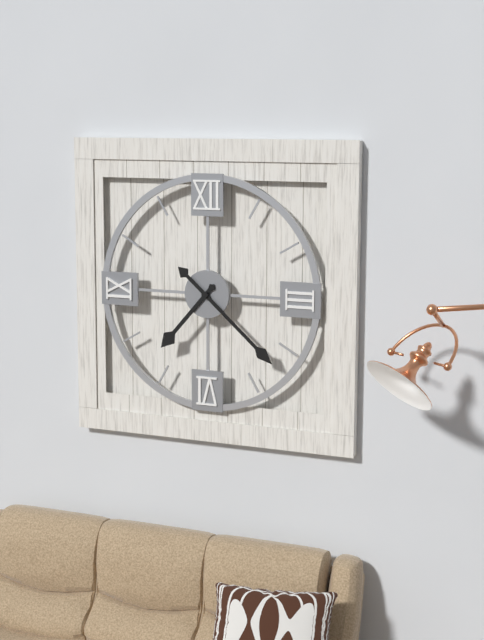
7:22
